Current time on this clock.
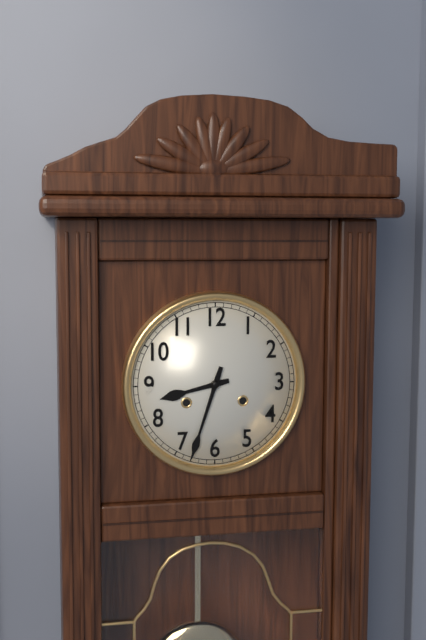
8:33
